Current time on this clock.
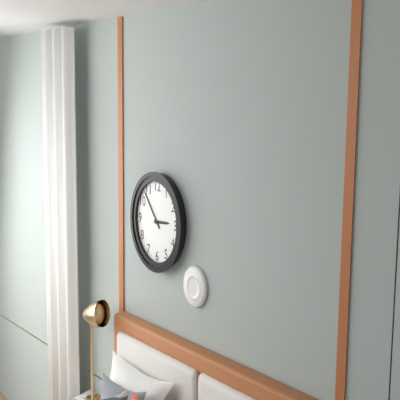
2:53
